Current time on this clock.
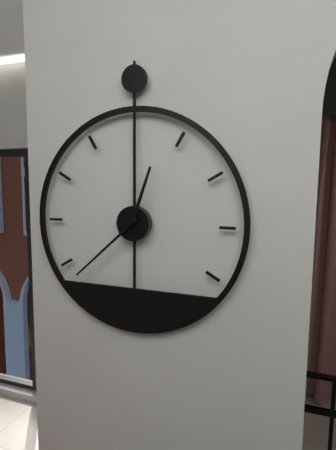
12:38
